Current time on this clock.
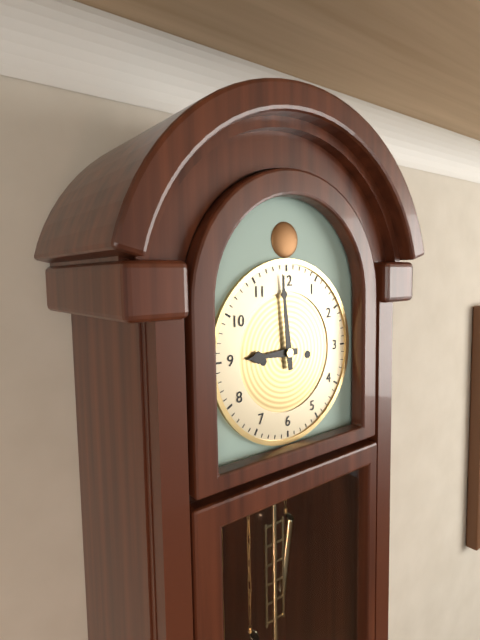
8:59
